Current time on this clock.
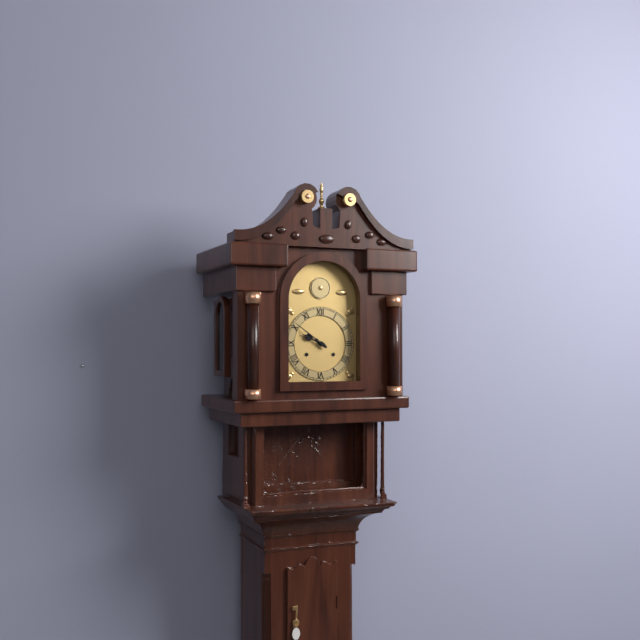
9:51
